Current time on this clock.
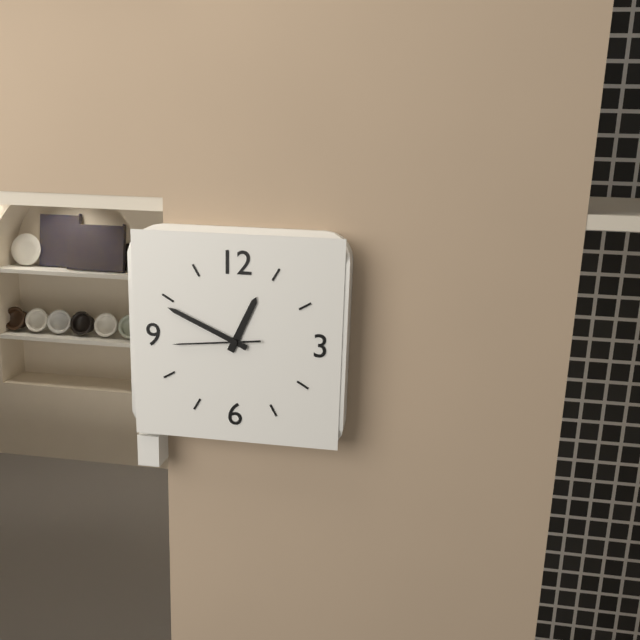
12:49:44
